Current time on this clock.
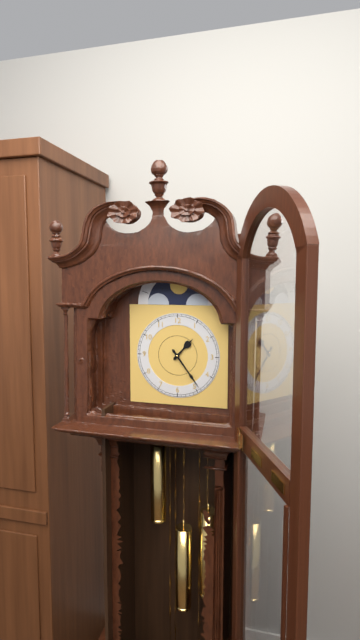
1:24
